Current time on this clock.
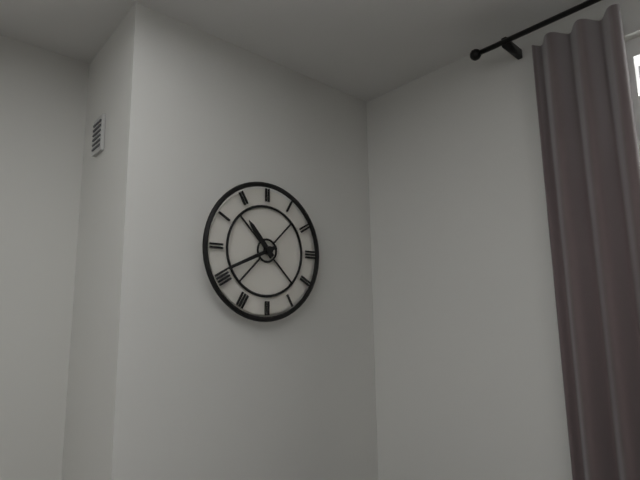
10:41
